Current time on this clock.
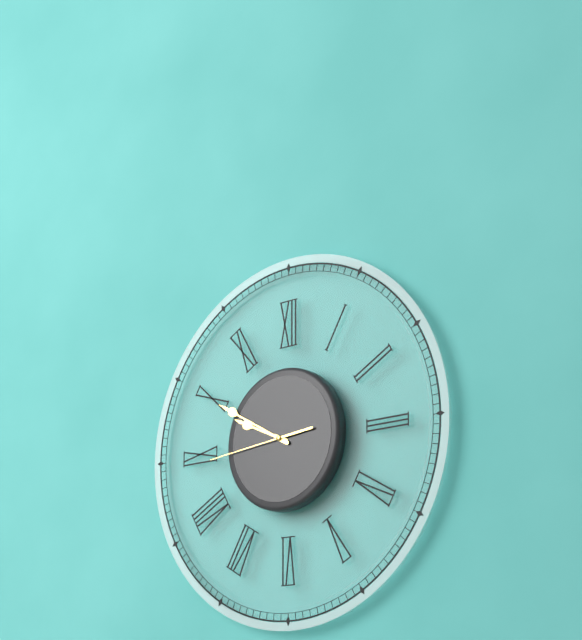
9:50:44
